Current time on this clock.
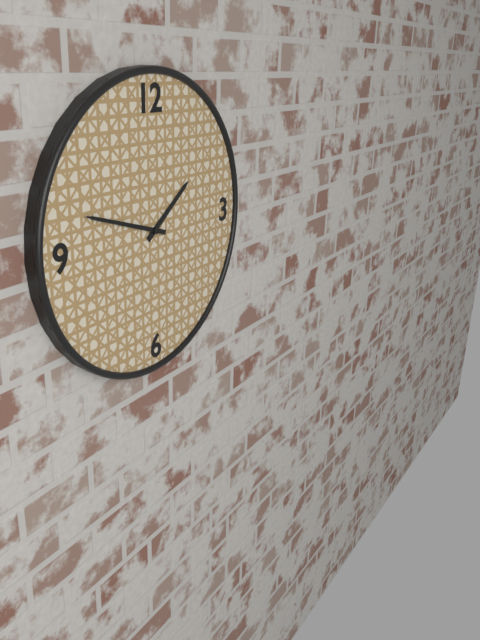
1:48
